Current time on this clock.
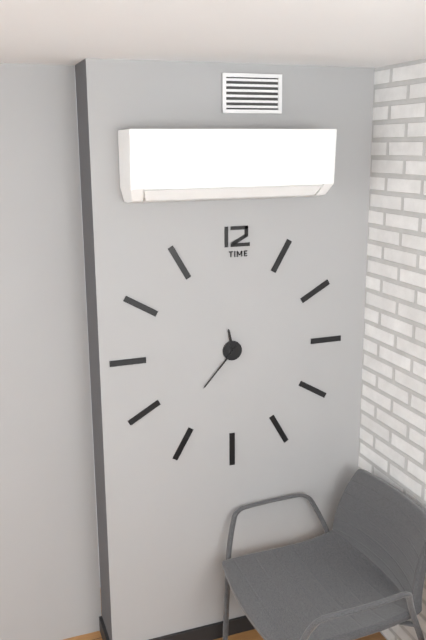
11:37
